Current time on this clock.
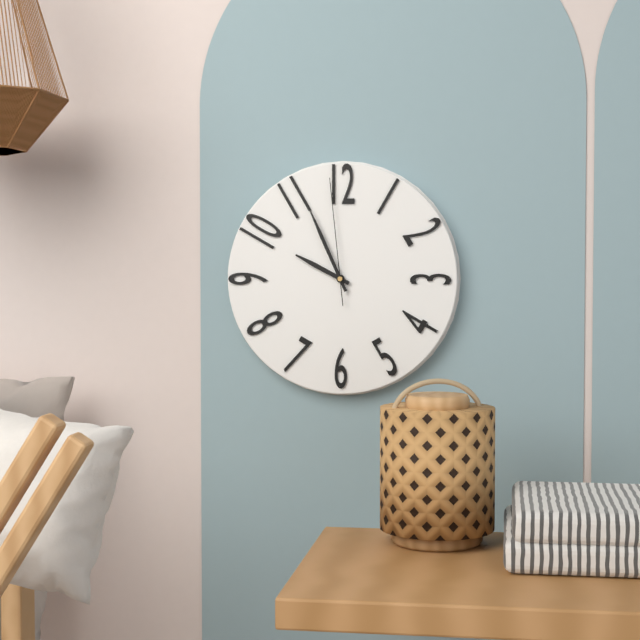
9:56:59
